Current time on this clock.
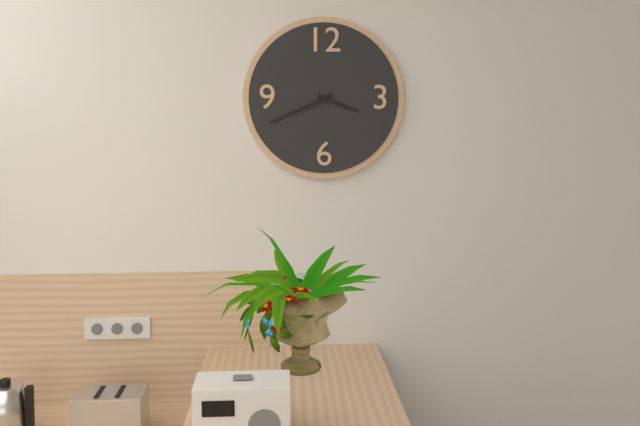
3:41
